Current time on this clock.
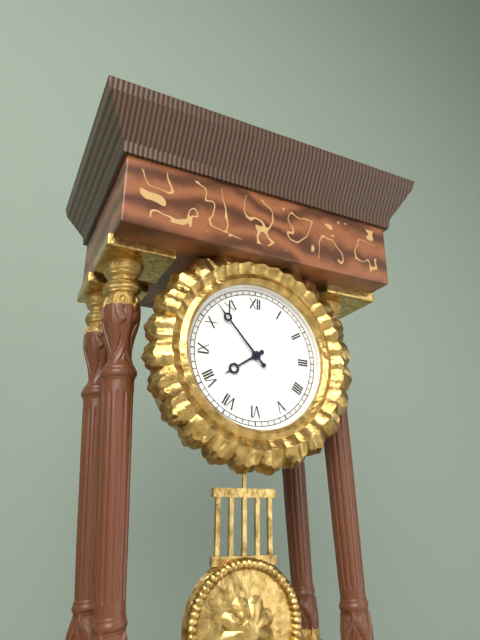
7:53
